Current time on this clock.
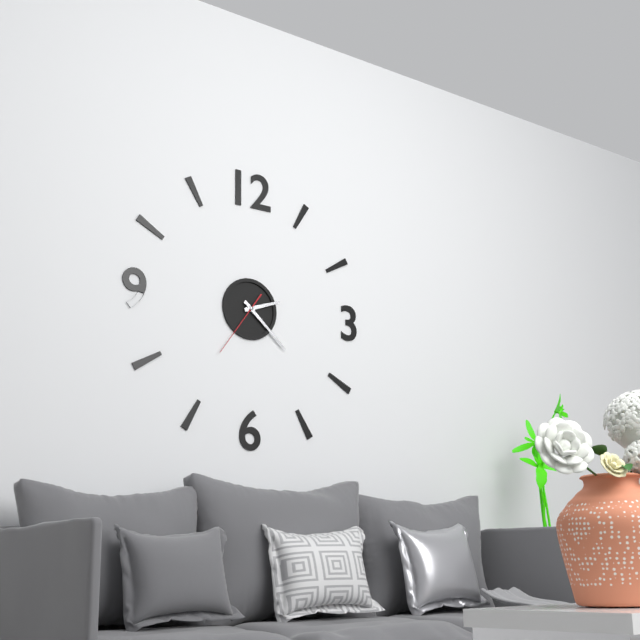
2:22:36
